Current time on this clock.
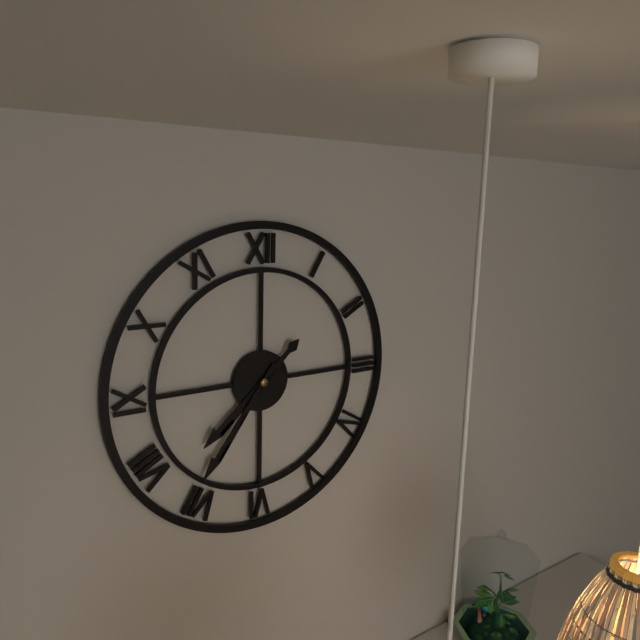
7:36
